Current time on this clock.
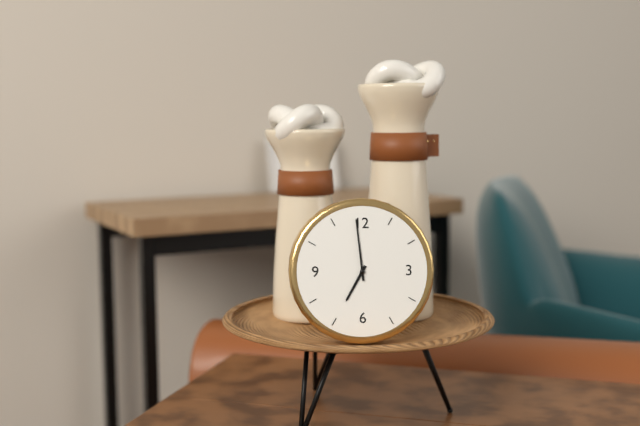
6:59
